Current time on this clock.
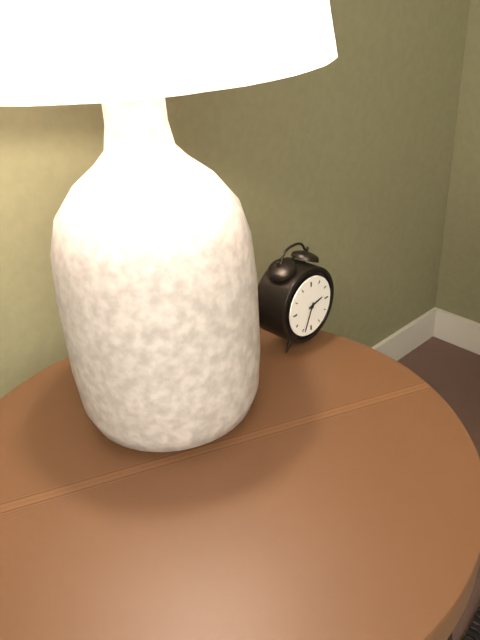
2:34
